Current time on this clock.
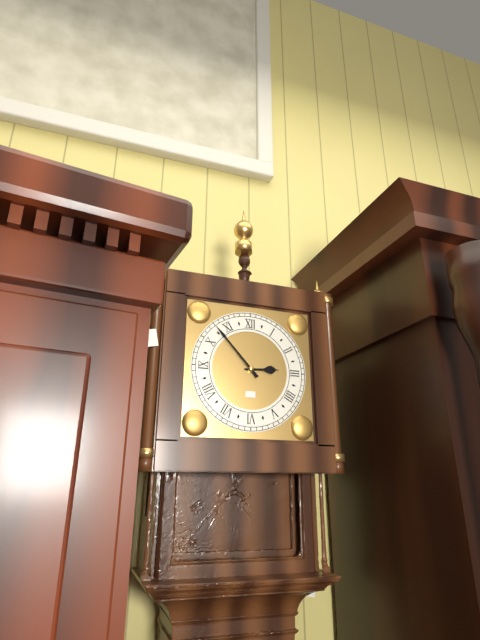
2:53
